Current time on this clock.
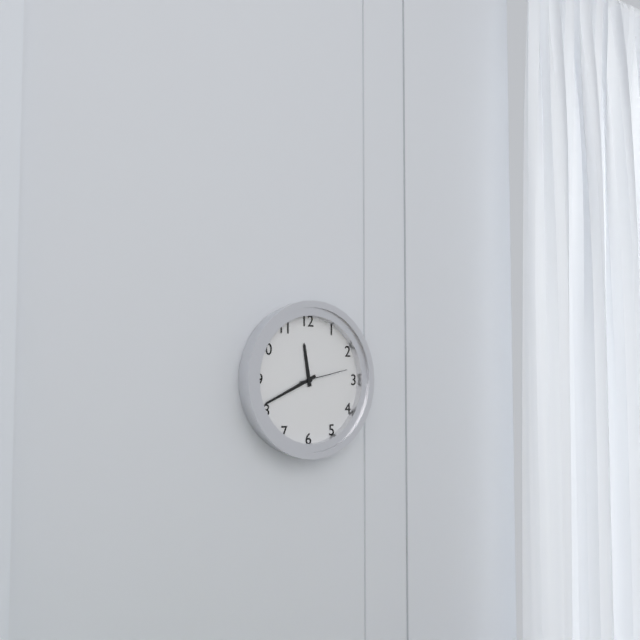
11:41
